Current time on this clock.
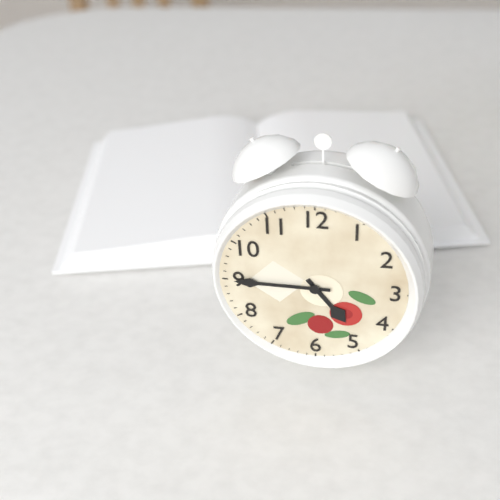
4:45
